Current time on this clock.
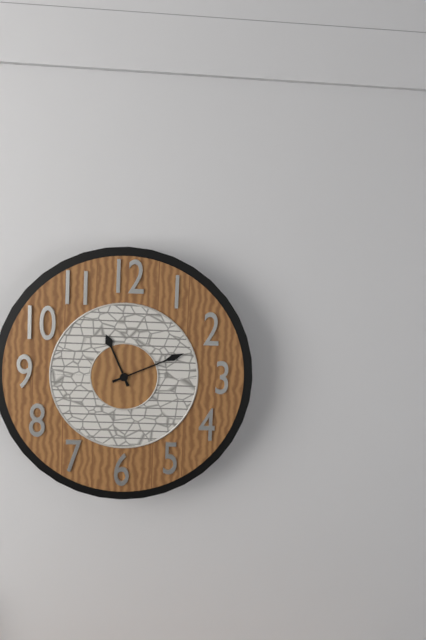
11:11
